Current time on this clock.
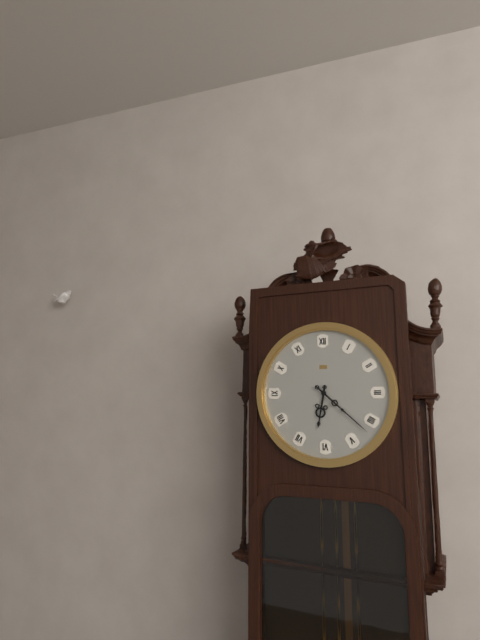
6:22
